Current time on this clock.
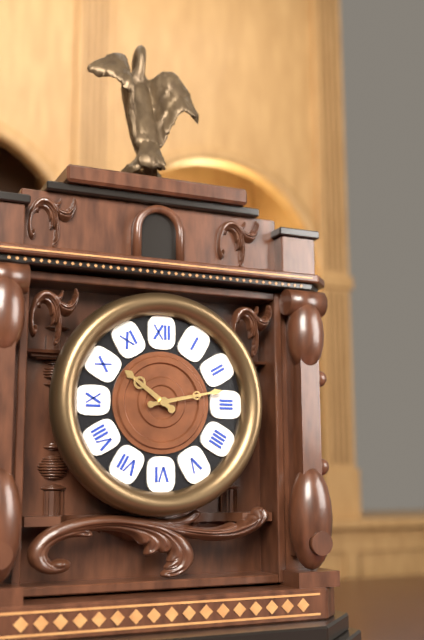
10:13
